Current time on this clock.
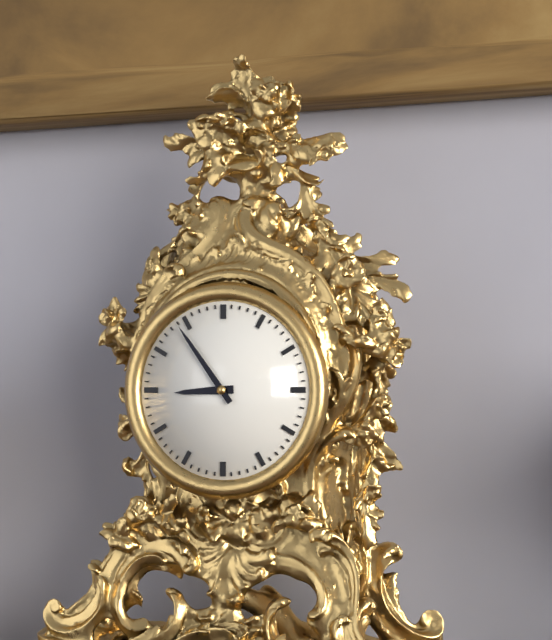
8:54
